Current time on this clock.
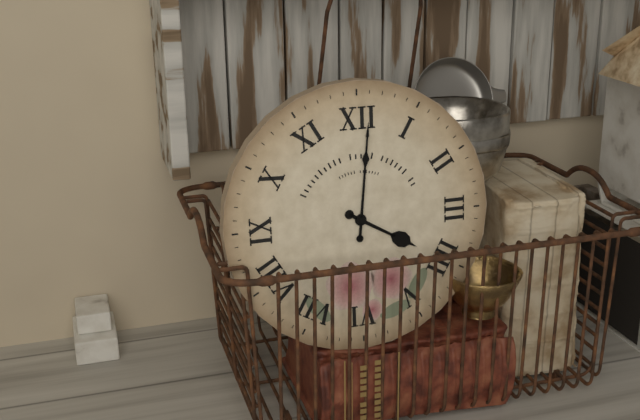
4:01
